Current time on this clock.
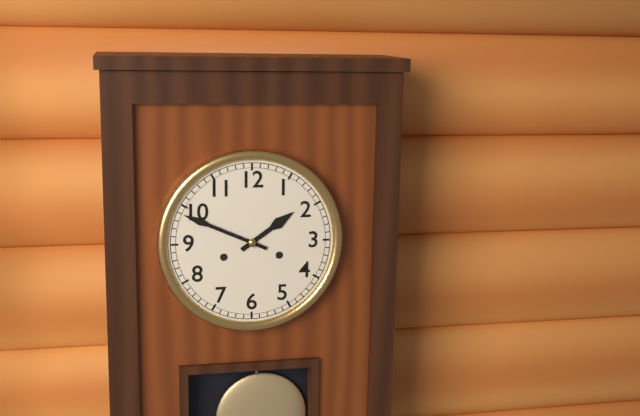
1:49
